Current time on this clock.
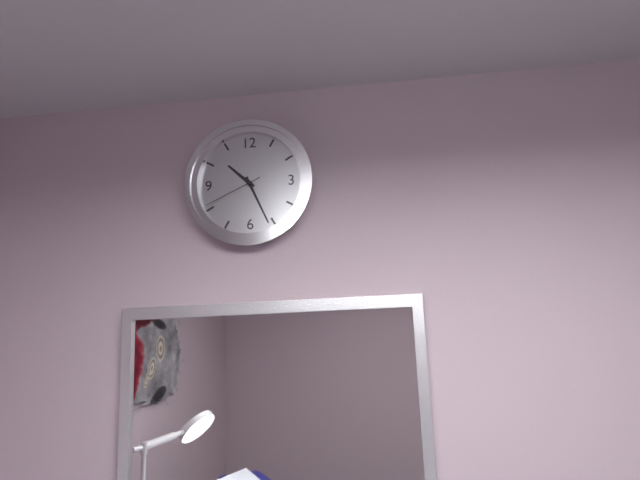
10:26:41
